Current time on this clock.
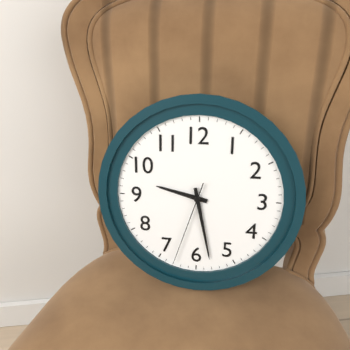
9:28:33
